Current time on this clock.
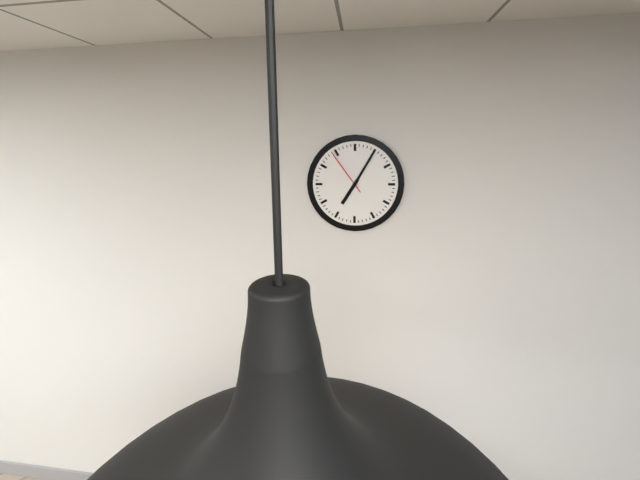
7:05
